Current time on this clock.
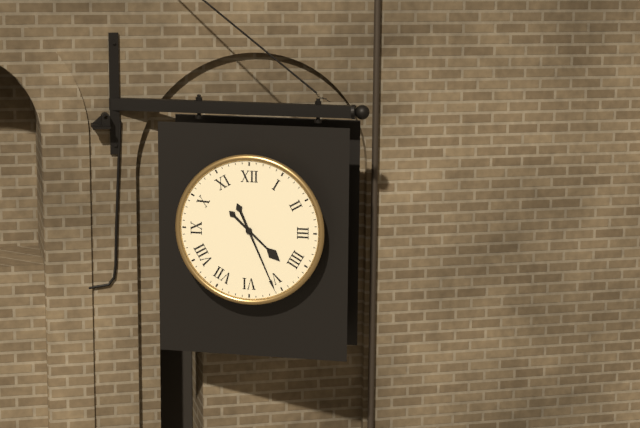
4:26
